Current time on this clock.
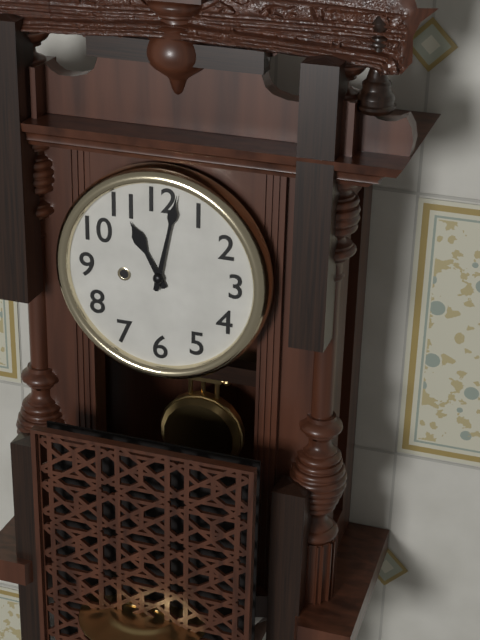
11:02
